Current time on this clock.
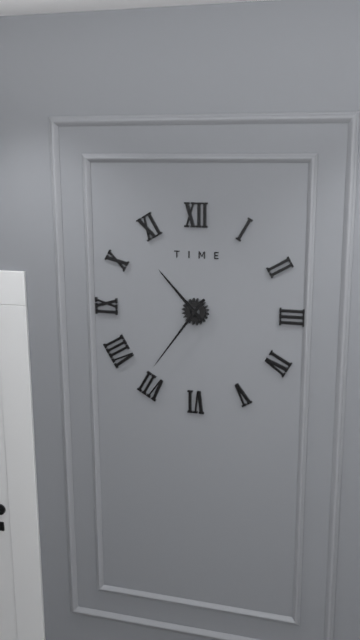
10:36
